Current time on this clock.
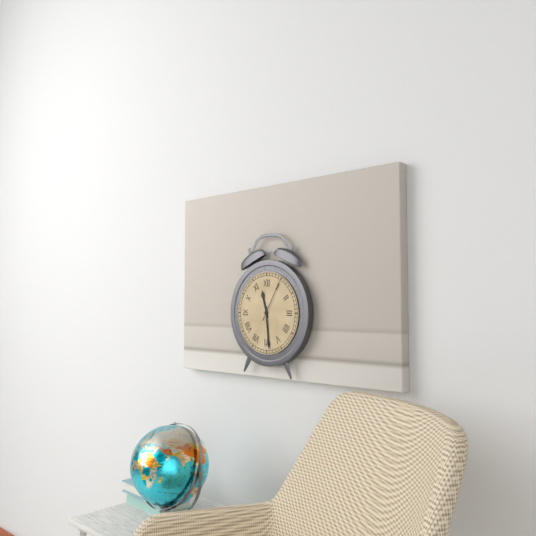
11:29
